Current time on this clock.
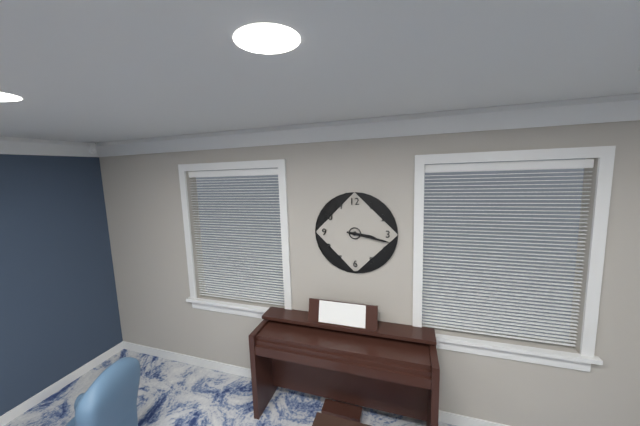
3:17
